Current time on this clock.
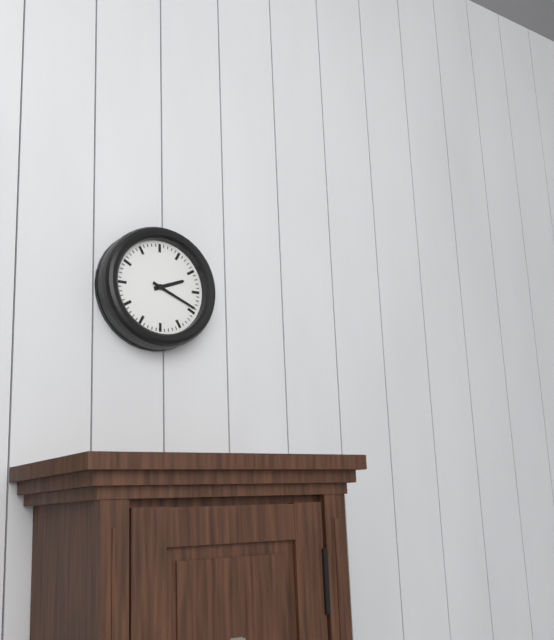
2:19
